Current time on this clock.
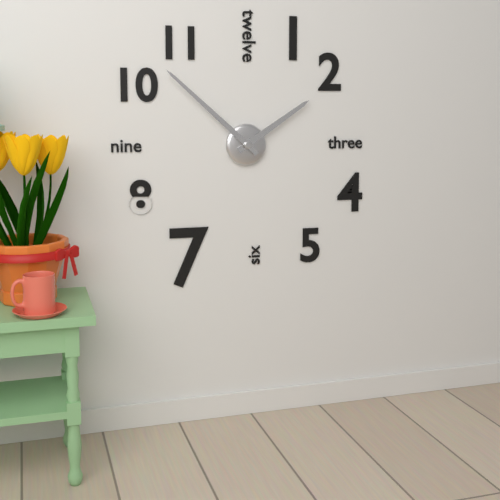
1:52
